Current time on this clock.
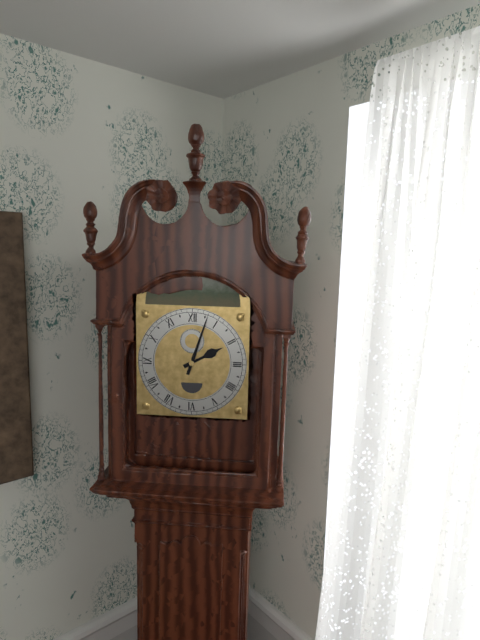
2:03
